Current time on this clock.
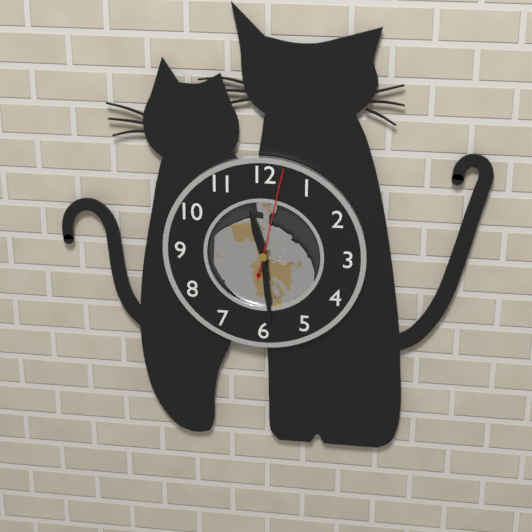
11:29:02
